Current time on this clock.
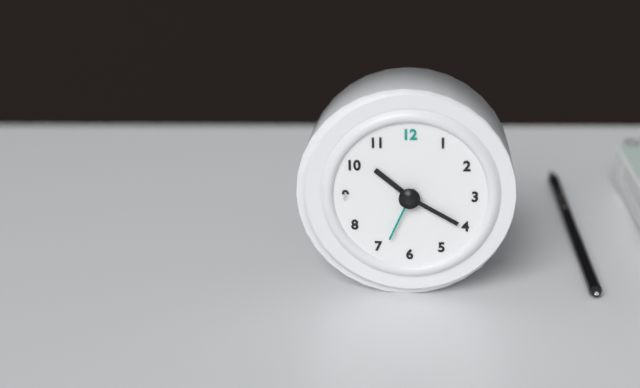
10:20:34
